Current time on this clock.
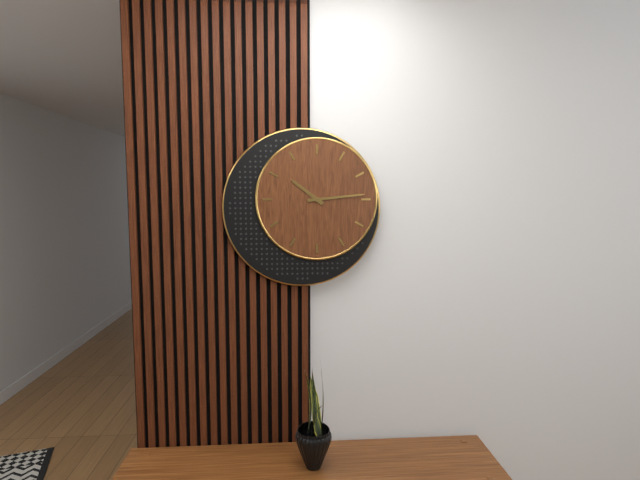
10:14
